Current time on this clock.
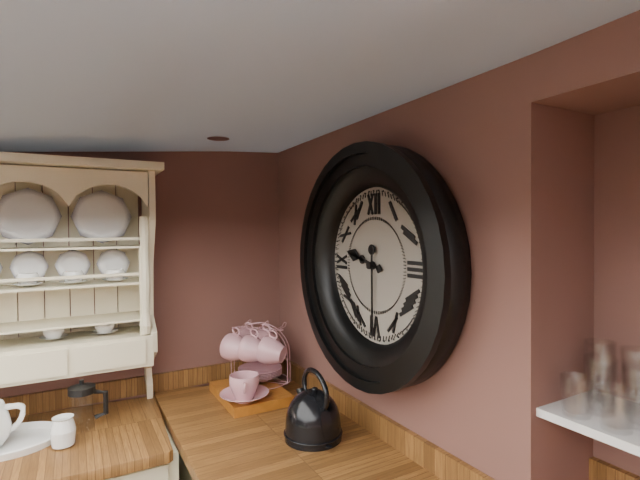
9:30
